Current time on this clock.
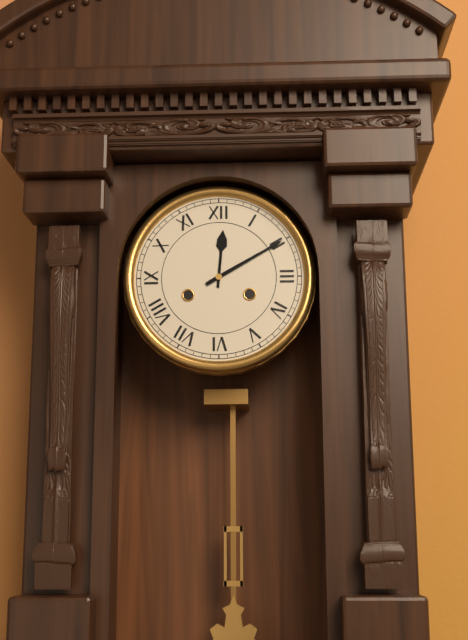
12:10
